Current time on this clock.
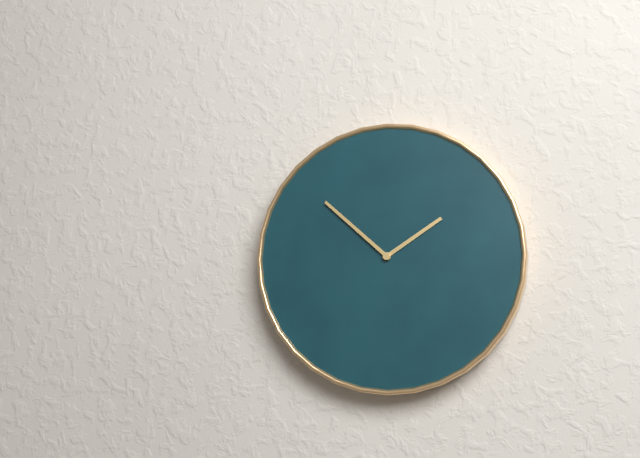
1:52
